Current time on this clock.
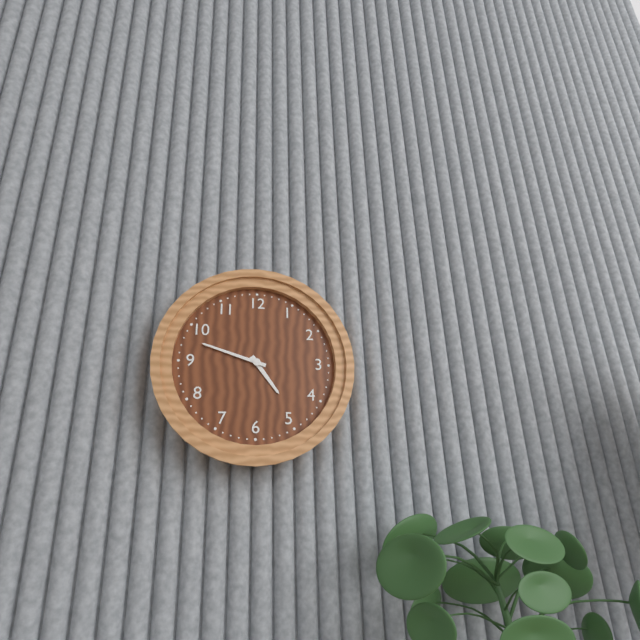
4:48
